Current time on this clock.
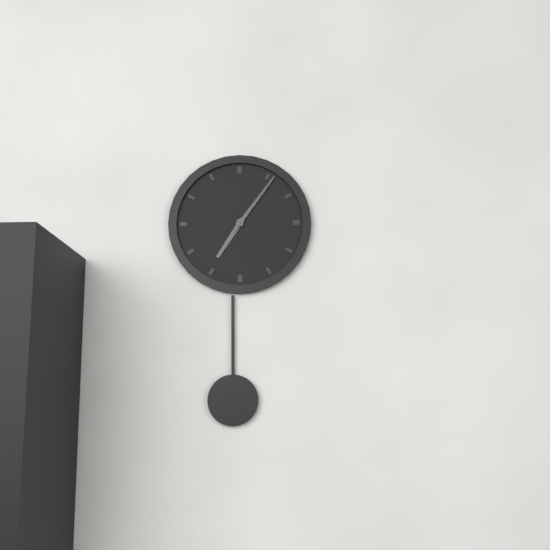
7:06
